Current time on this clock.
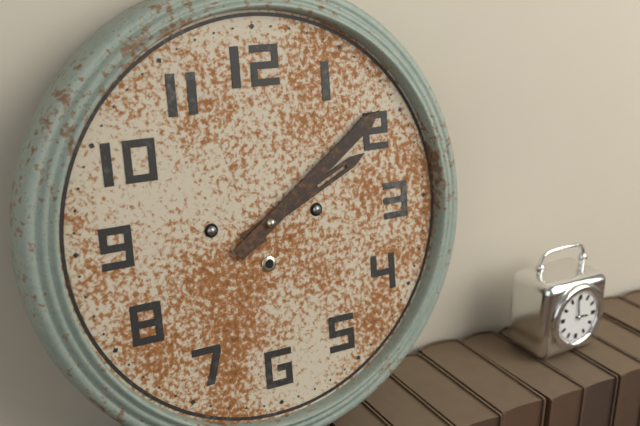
2:09
